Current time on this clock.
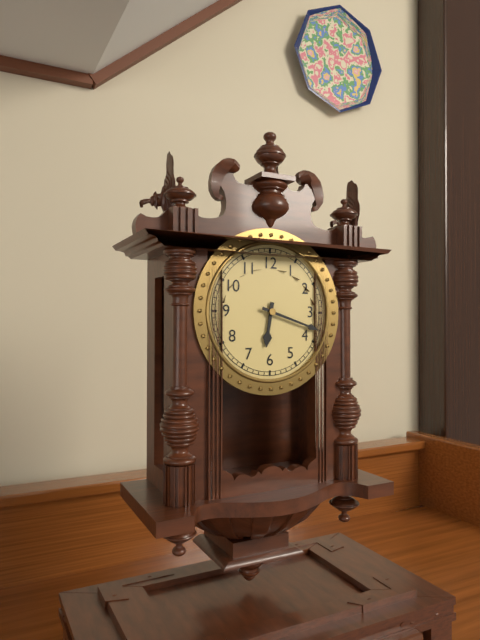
6:18
